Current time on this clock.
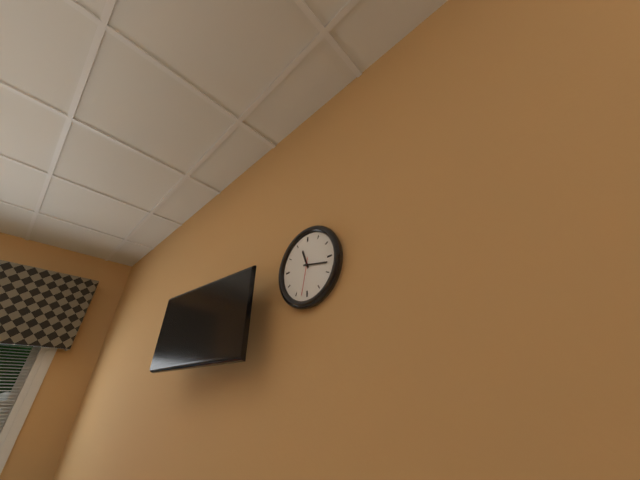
11:17
